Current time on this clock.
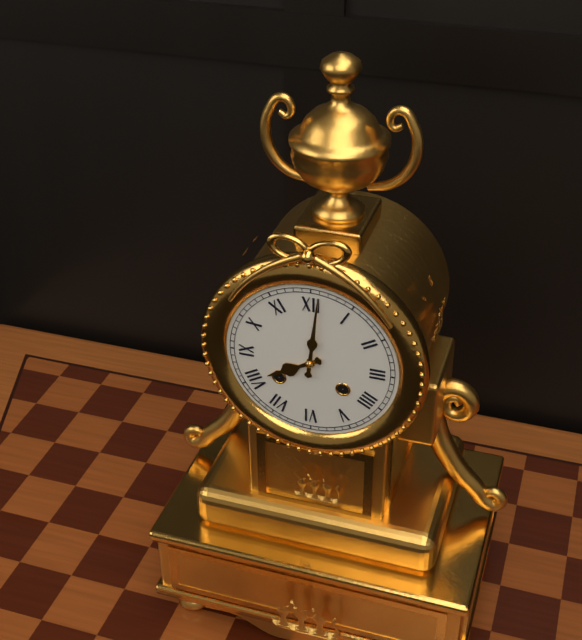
8:01
